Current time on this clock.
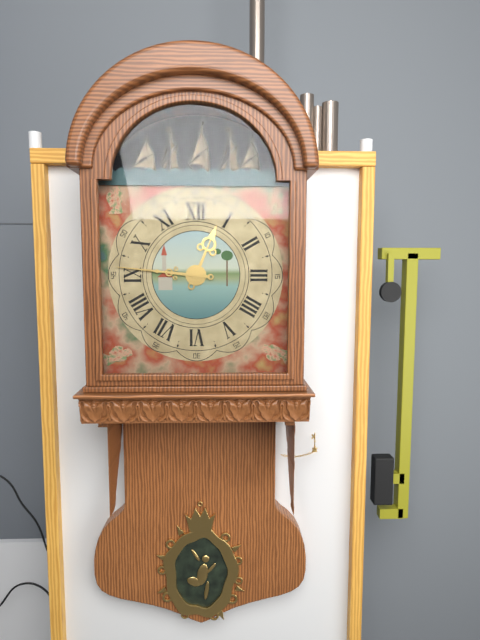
12:46
